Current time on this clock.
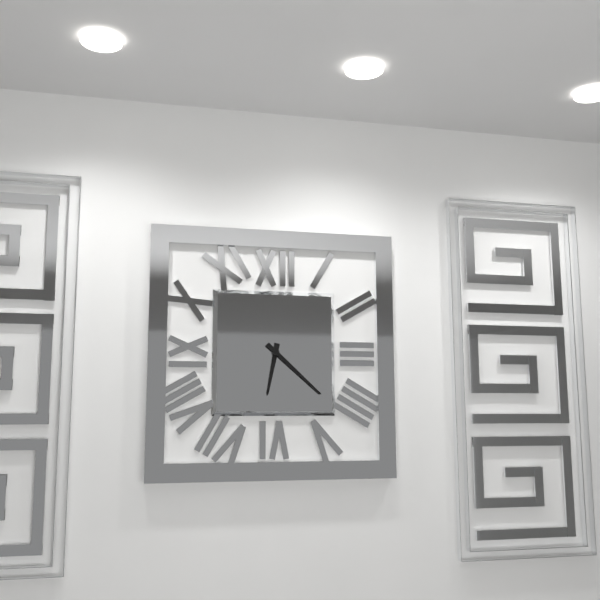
6:22
